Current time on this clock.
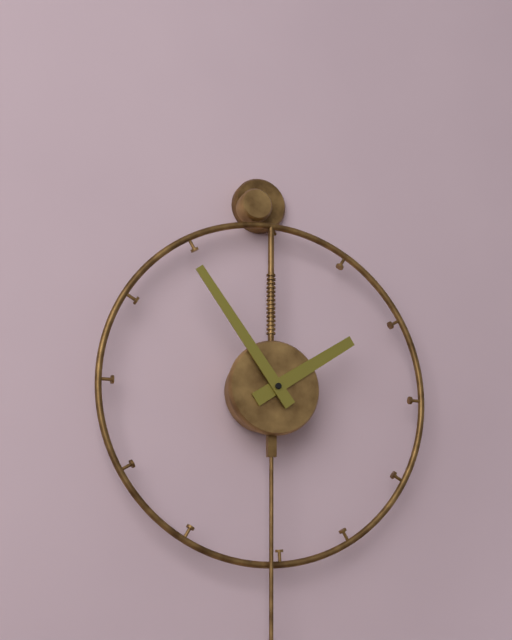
1:54
